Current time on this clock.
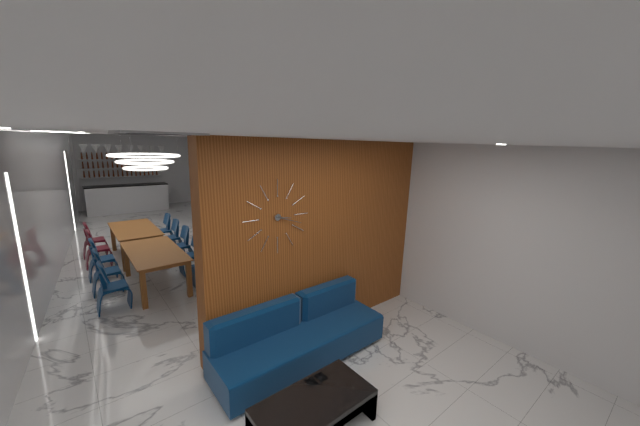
3:18
